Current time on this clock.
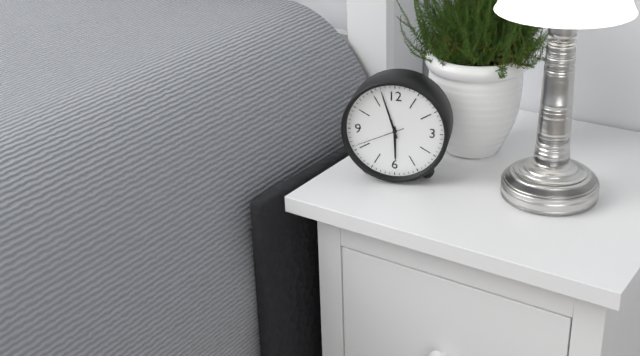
5:57:41
